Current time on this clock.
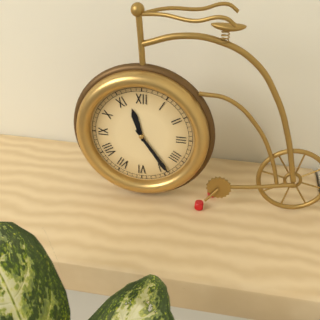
11:24
